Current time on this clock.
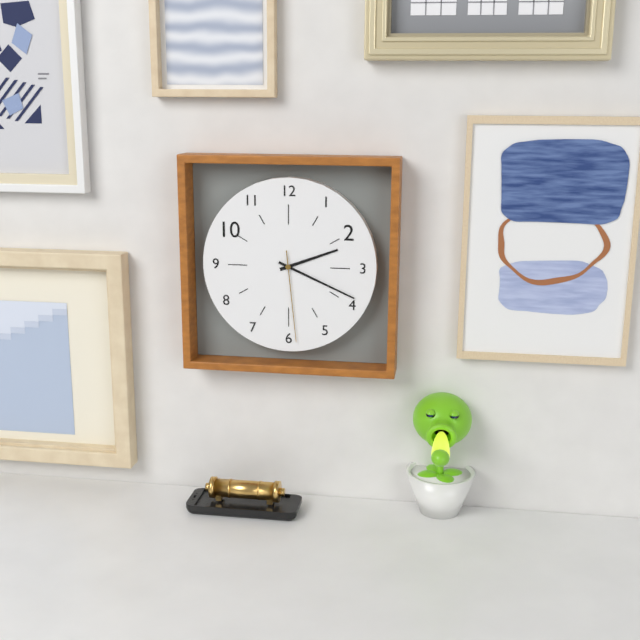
2:19:29
